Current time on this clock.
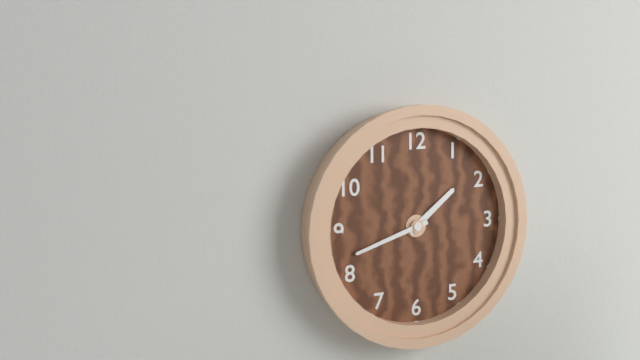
1:42
